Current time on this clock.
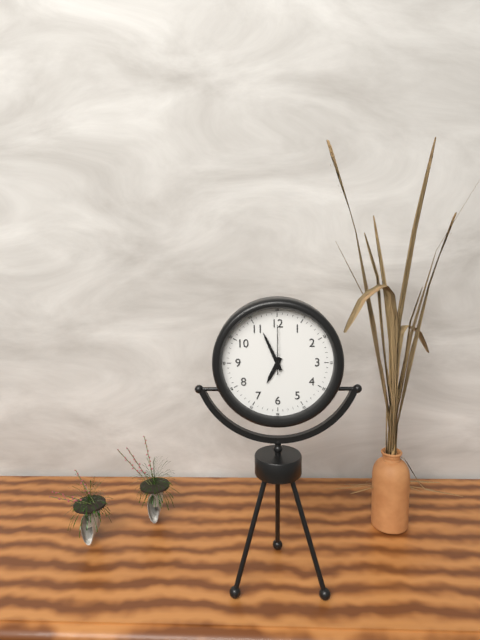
6:56
